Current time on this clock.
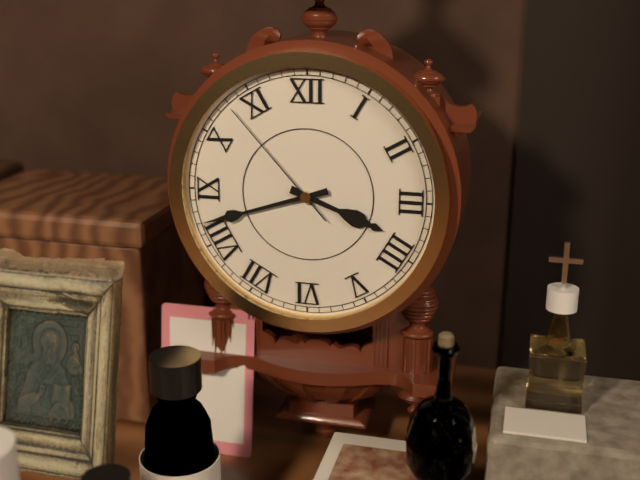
3:42:53
